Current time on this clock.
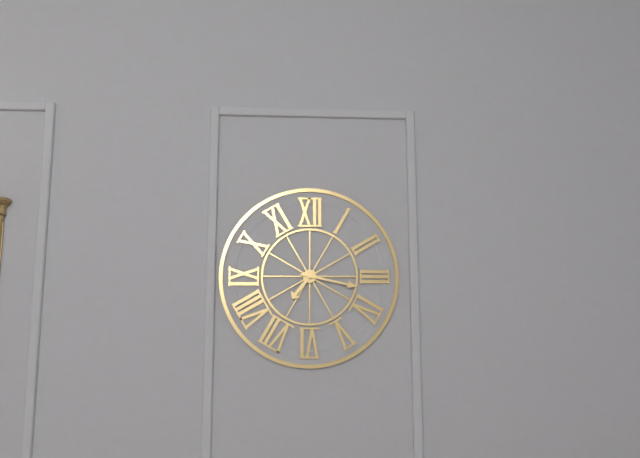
7:17
